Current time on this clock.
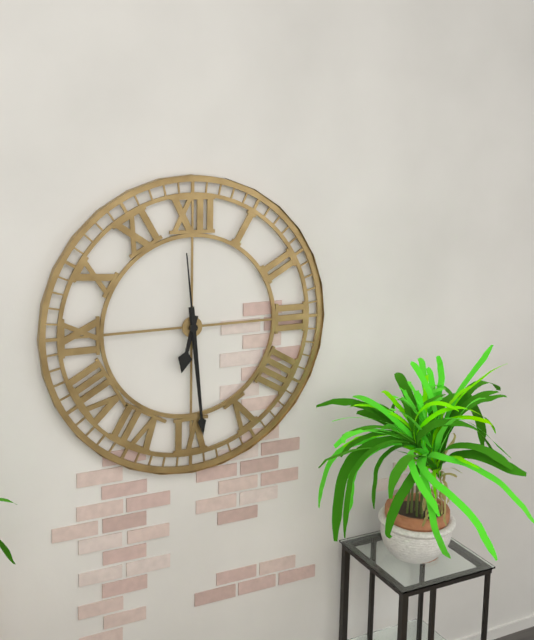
6:29:59
